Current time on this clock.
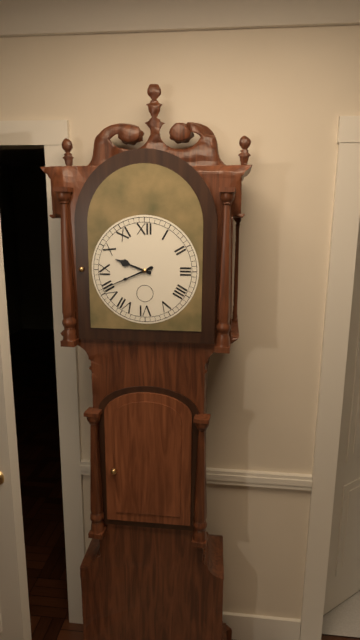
9:41
